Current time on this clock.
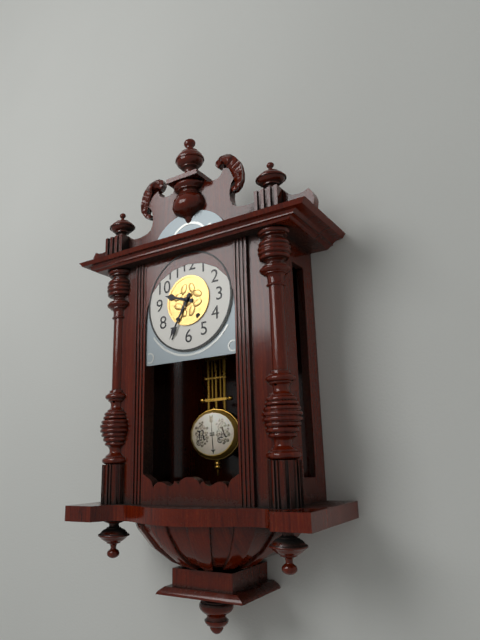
9:35
